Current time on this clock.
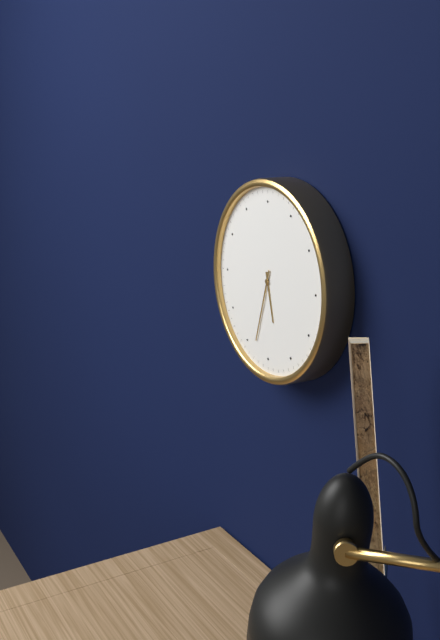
5:33
